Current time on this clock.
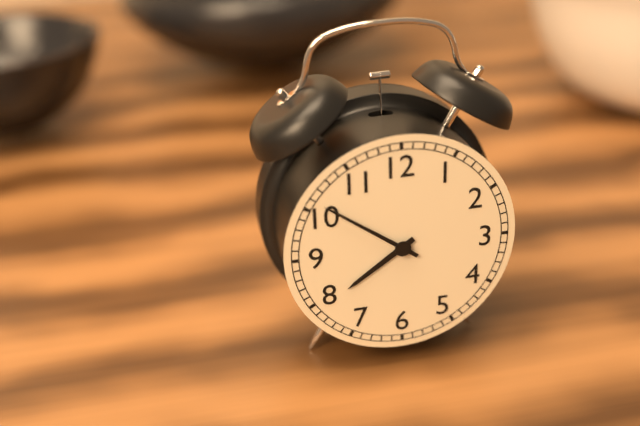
7:51
